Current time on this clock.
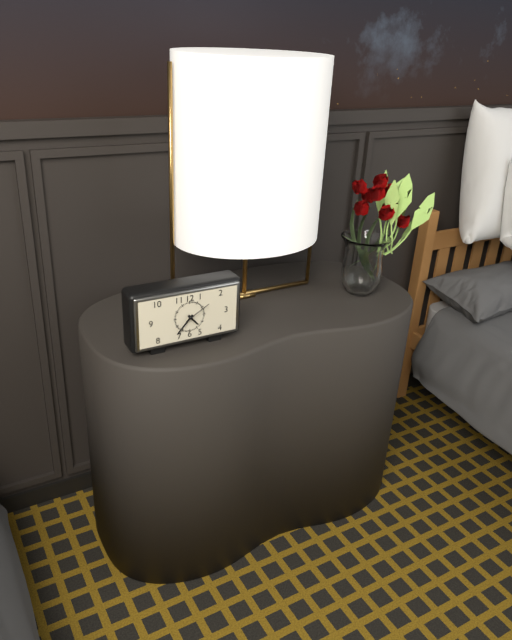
4:37
